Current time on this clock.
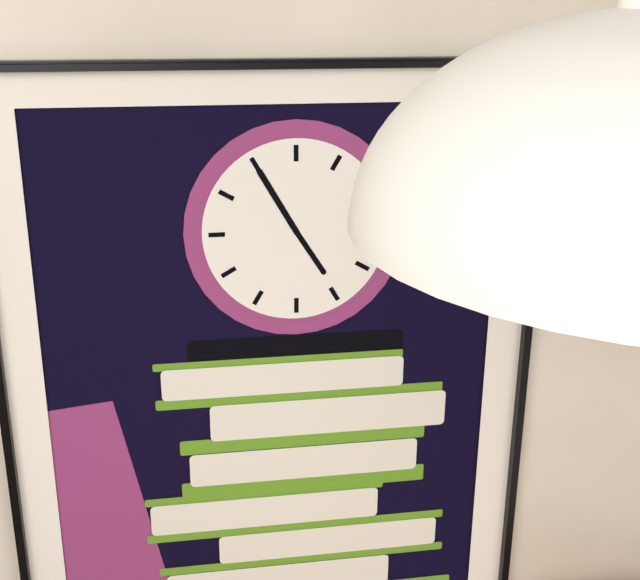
4:55
